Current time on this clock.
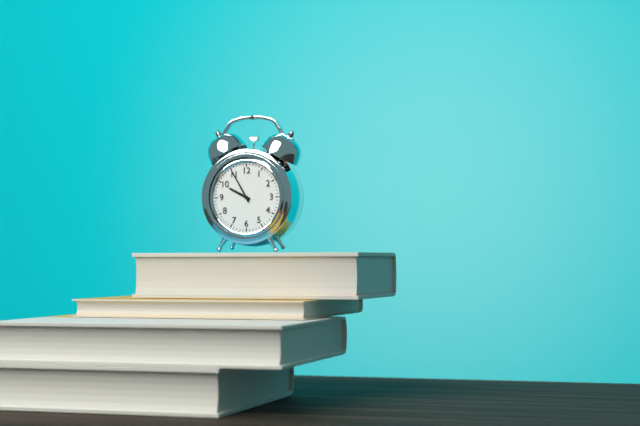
9:55
